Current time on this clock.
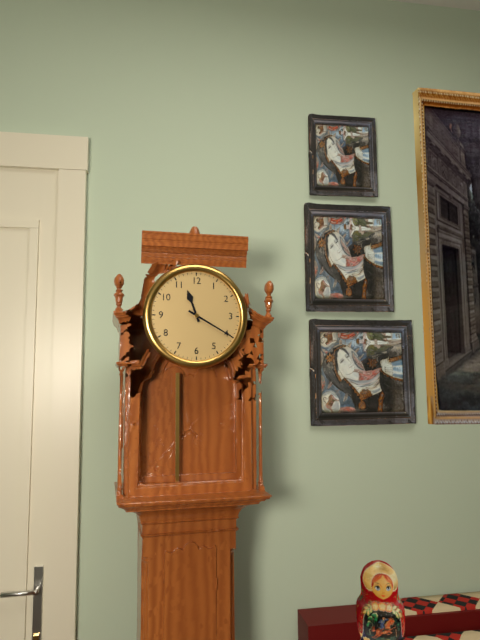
11:20
